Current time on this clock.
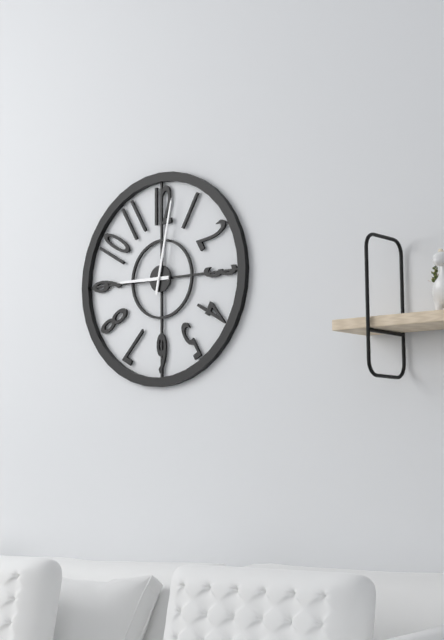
9:02
